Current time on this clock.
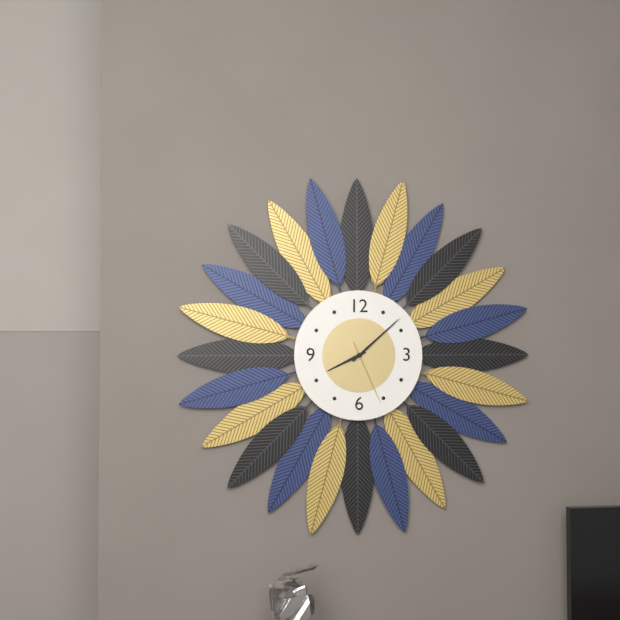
8:08:26
